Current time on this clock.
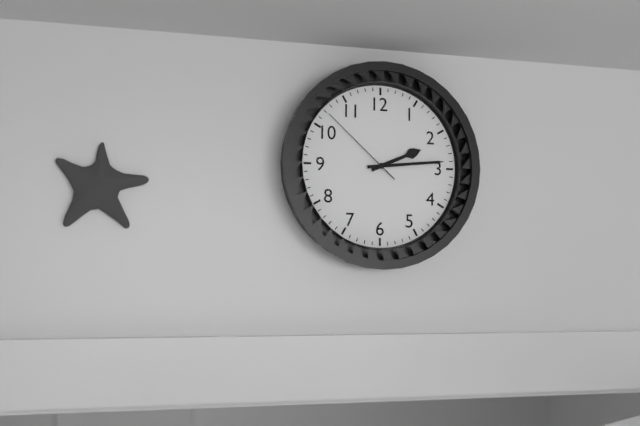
2:14:52
